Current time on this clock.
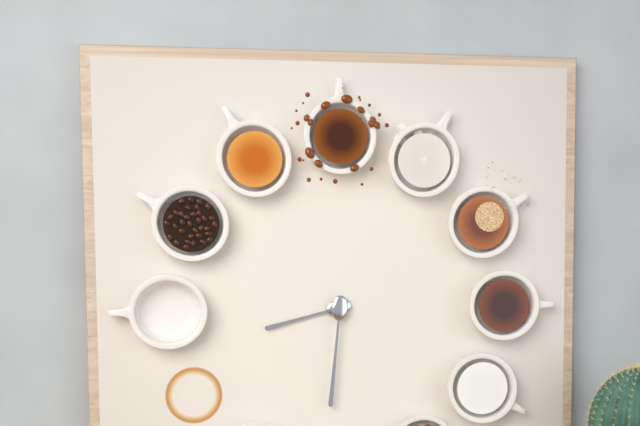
8:31
